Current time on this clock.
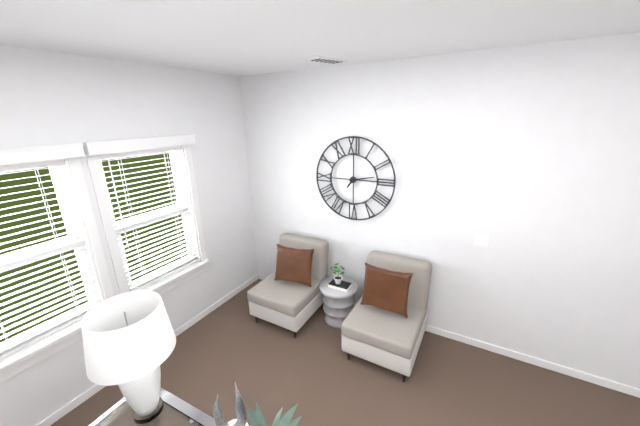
7:13
